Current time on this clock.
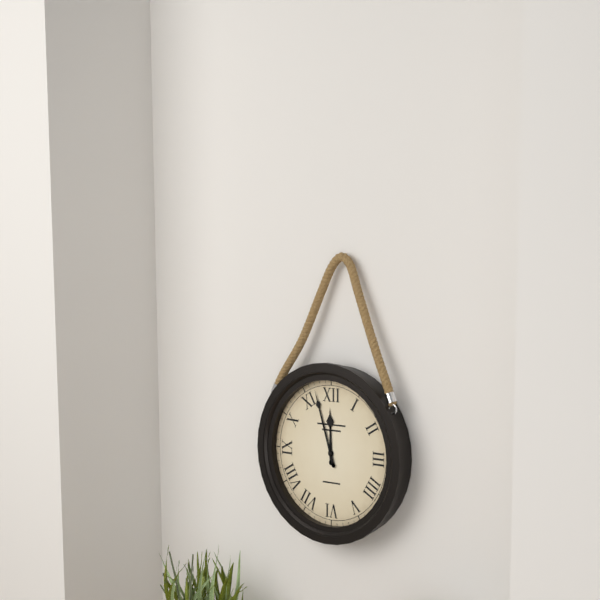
11:57
